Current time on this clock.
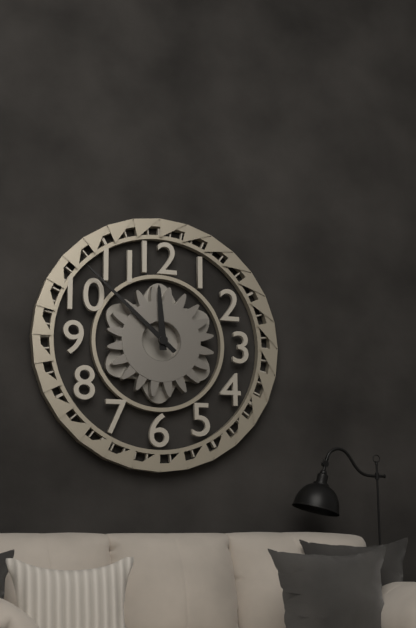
11:52
